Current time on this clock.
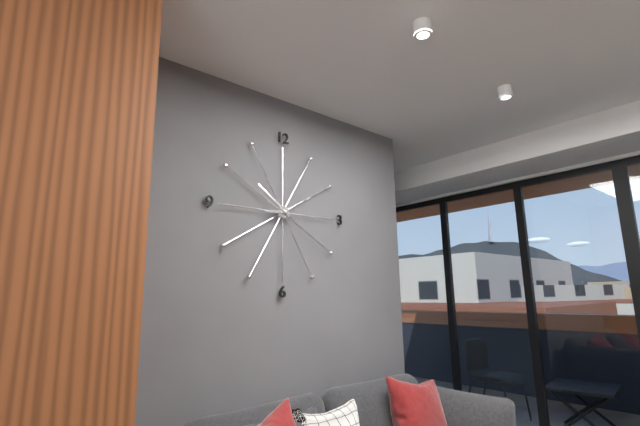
8:51
